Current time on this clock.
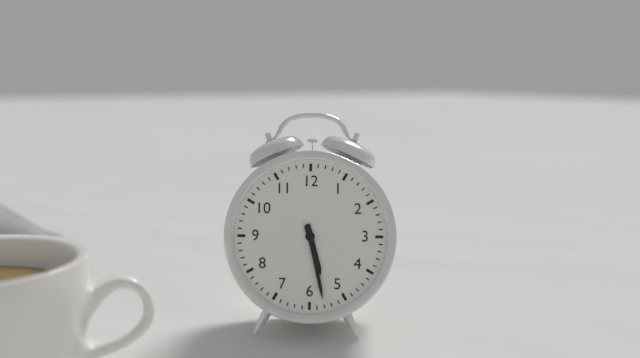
5:28
